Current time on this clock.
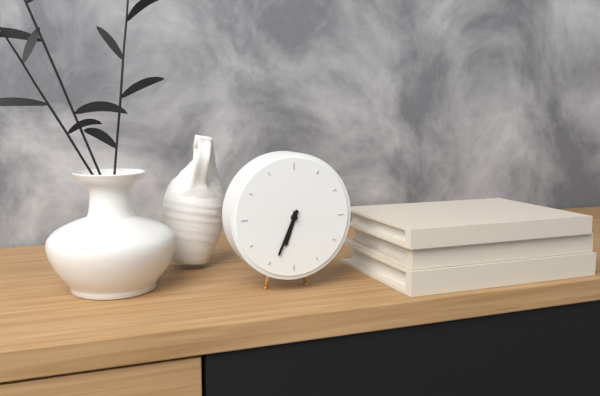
6:34
